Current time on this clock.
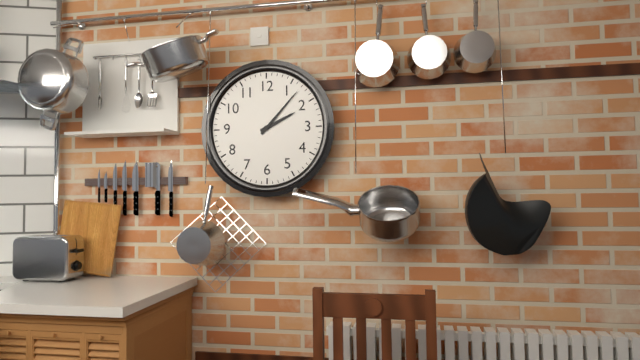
2:07
